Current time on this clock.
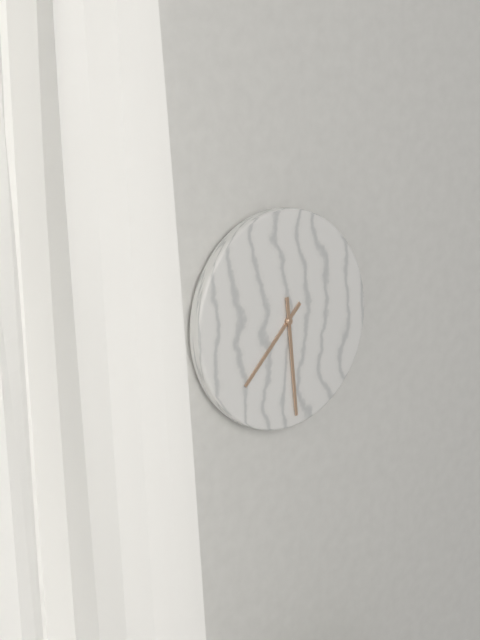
7:29
